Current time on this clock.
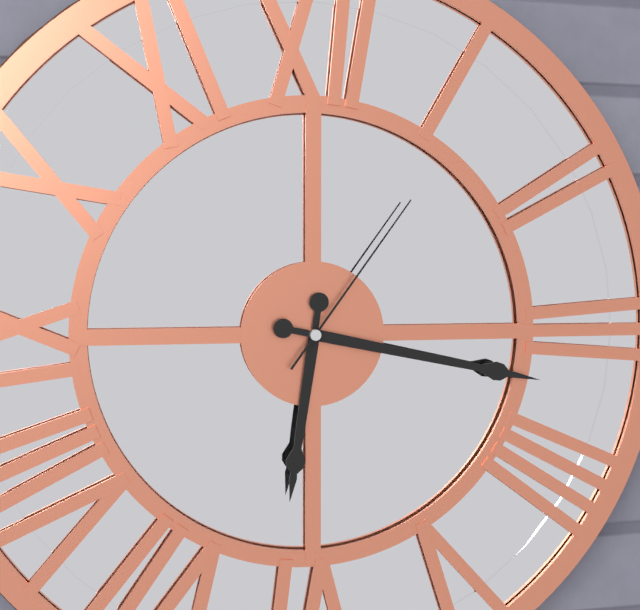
6:17:06
